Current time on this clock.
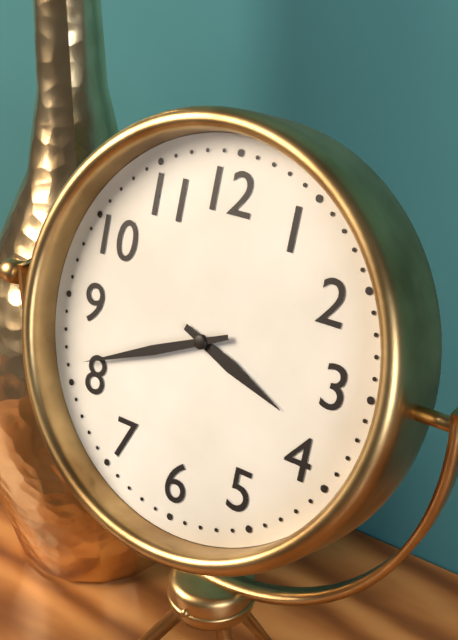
3:41
